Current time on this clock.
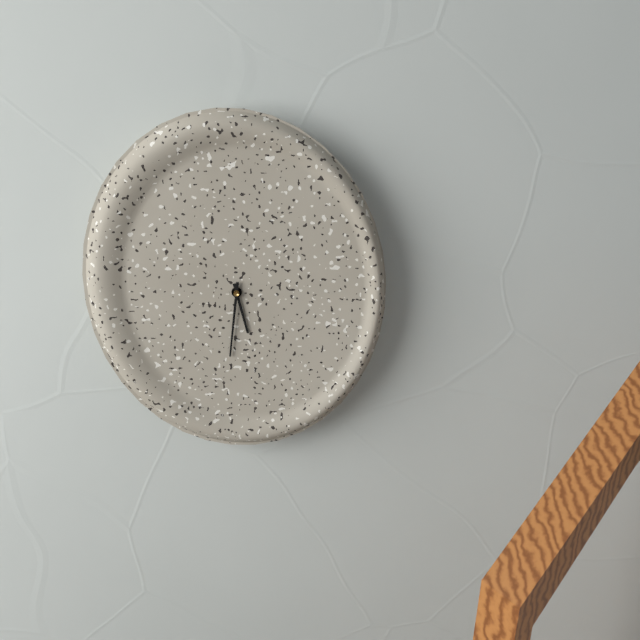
5:31
